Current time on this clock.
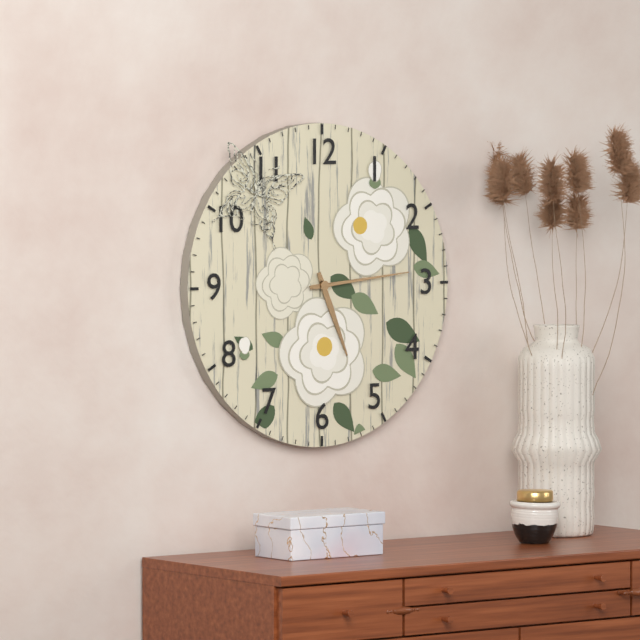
5:14
